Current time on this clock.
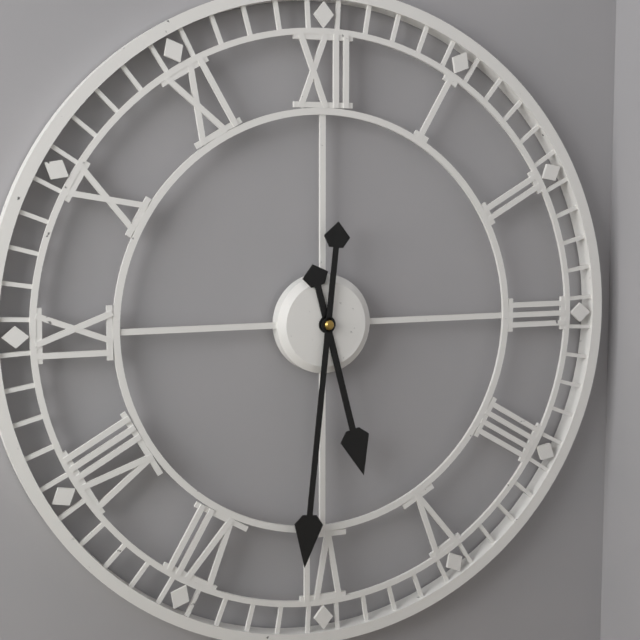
5:31
